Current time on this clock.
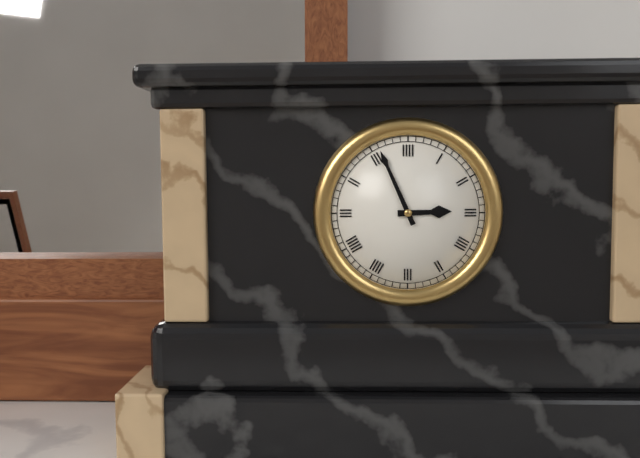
2:56
